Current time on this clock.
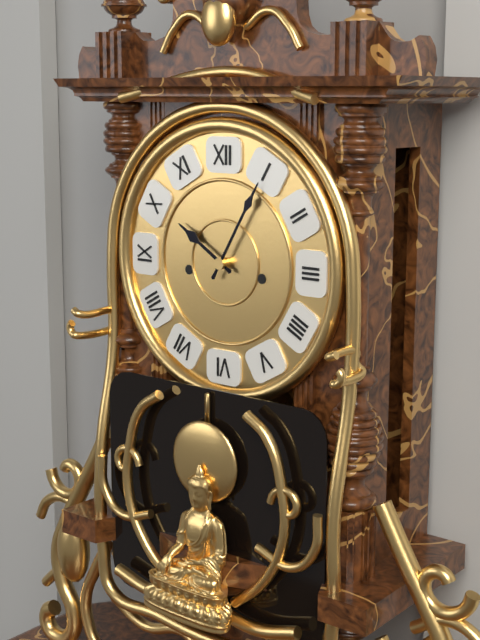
10:05
